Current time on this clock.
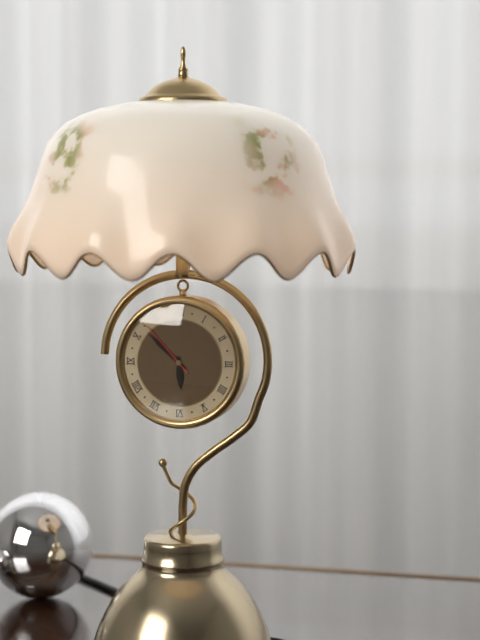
5:52:53
